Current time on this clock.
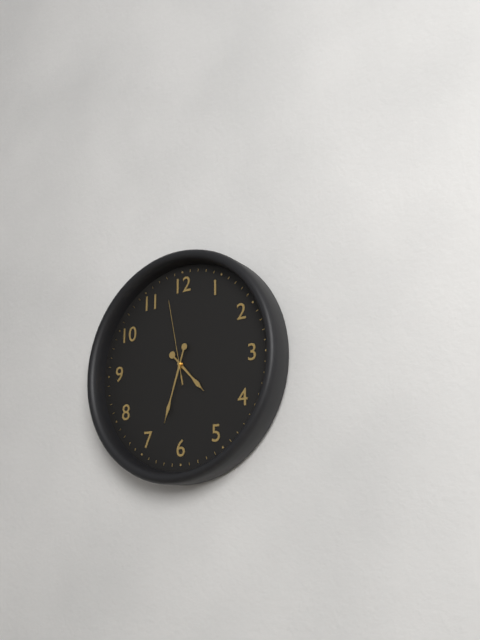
4:33:58
